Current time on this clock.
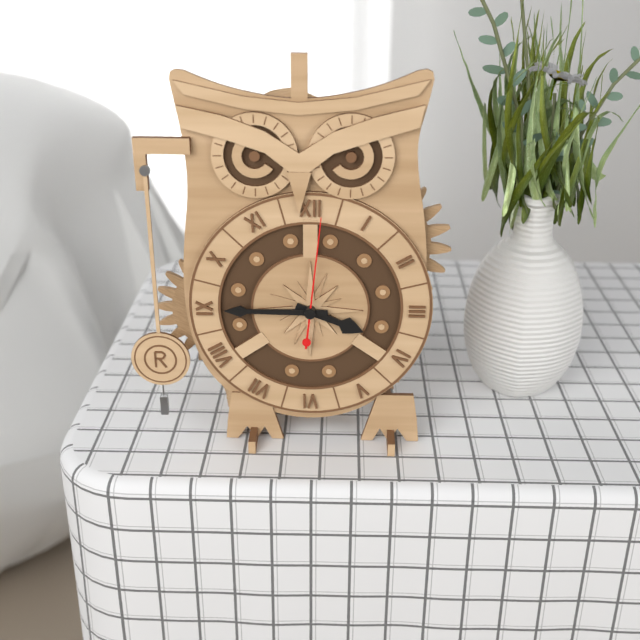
3:45:01
